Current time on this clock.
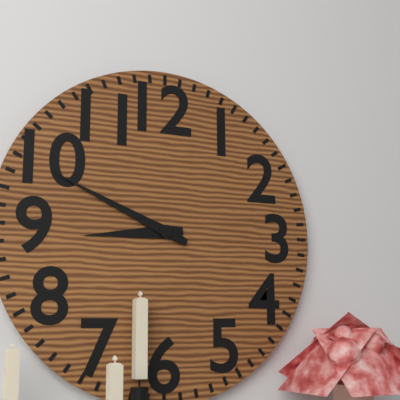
8:49
